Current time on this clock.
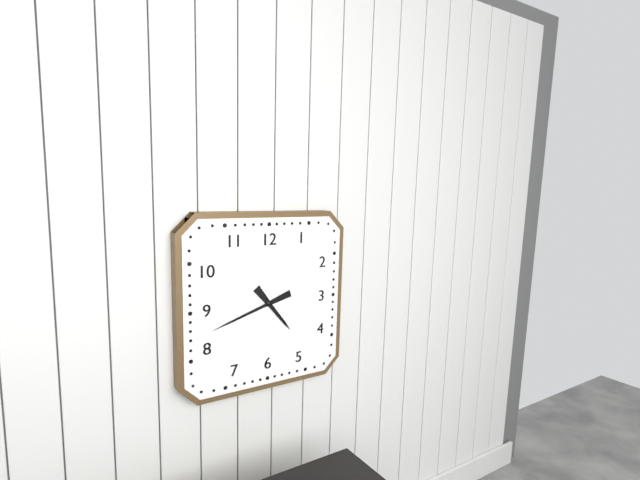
4:42
